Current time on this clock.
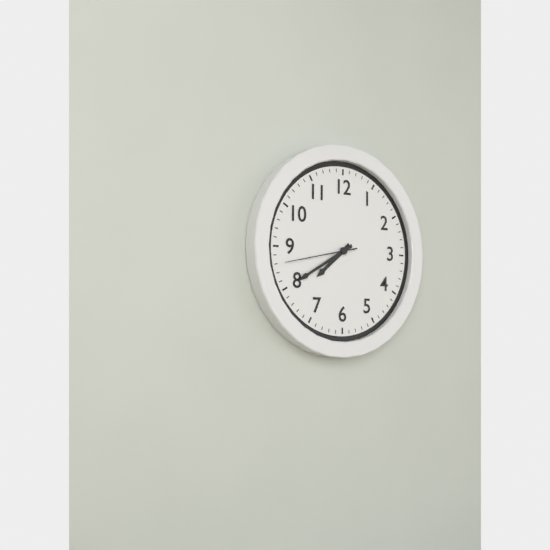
7:40:43
